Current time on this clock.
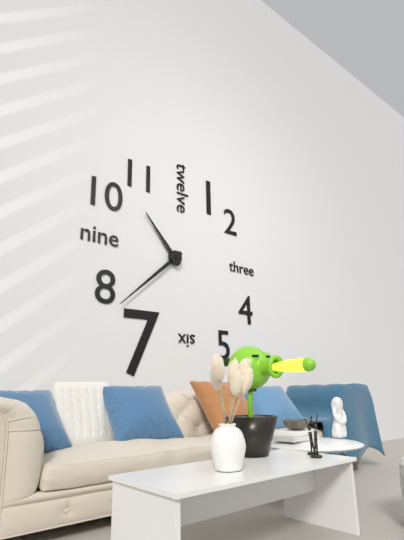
10:38
